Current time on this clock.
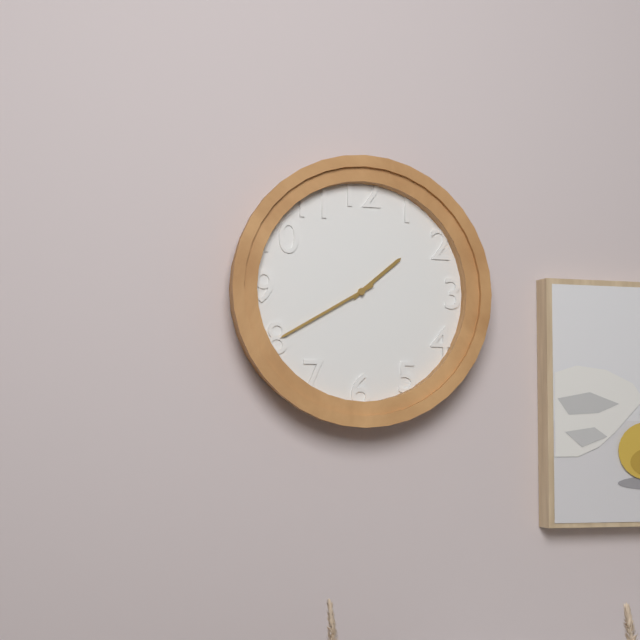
1:40
